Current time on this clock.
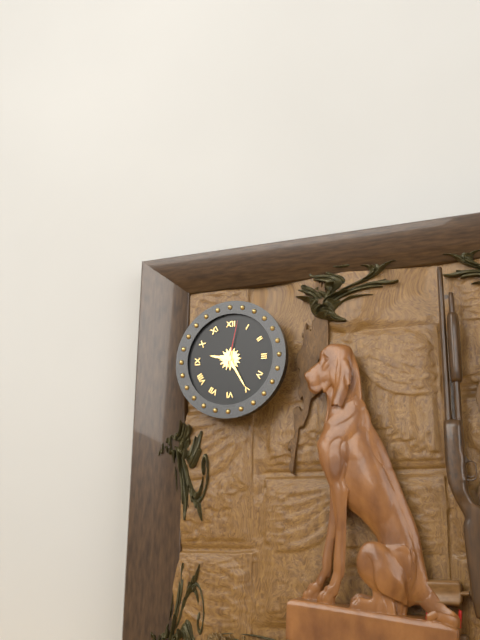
9:25
